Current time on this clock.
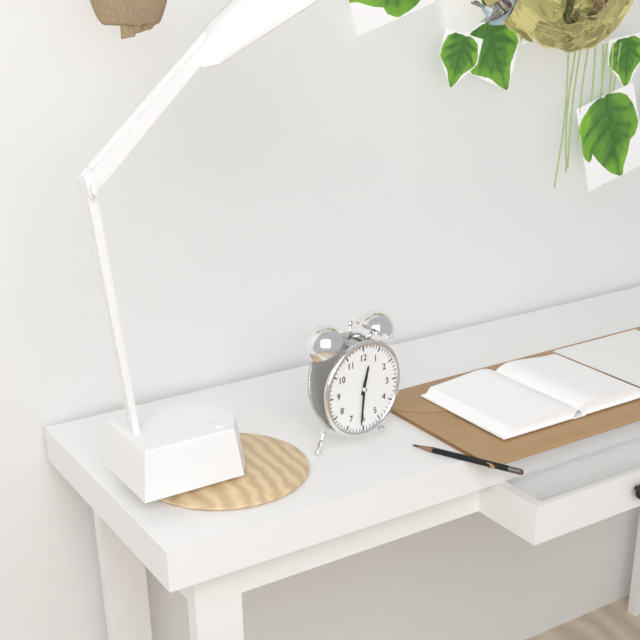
12:31
